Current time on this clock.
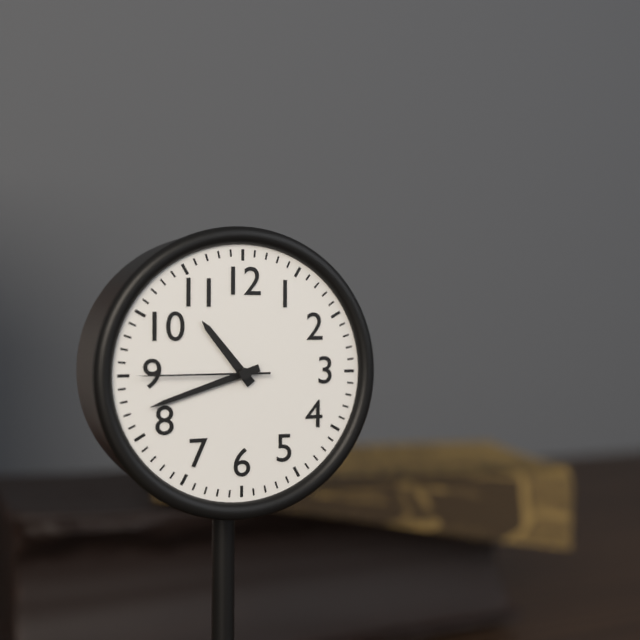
10:42:45
